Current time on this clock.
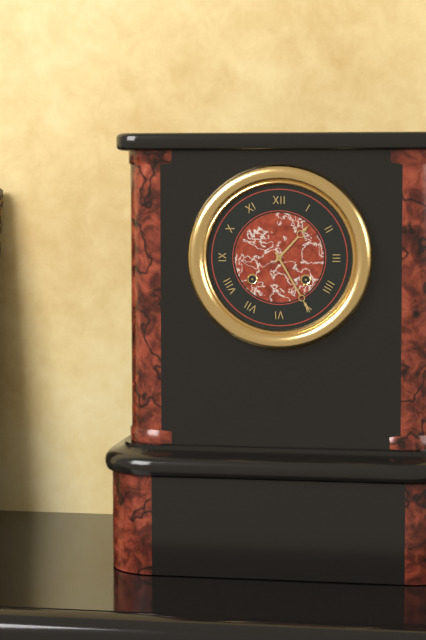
1:25
